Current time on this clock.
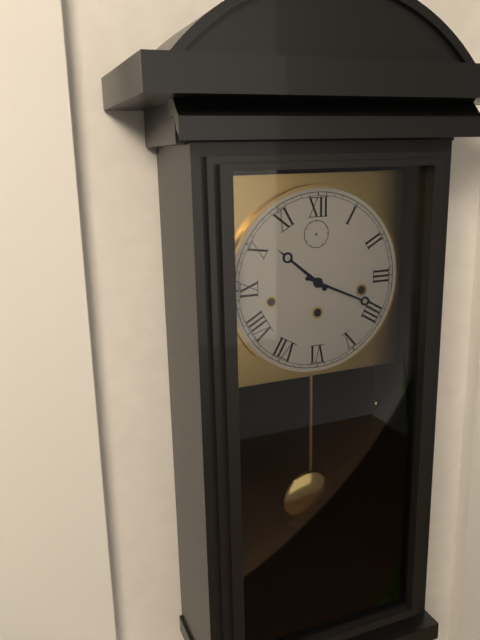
10:19
